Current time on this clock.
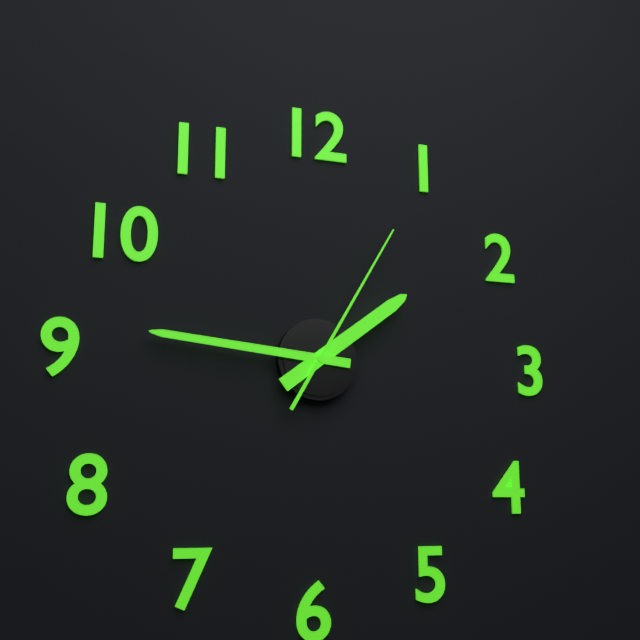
1:46:05
